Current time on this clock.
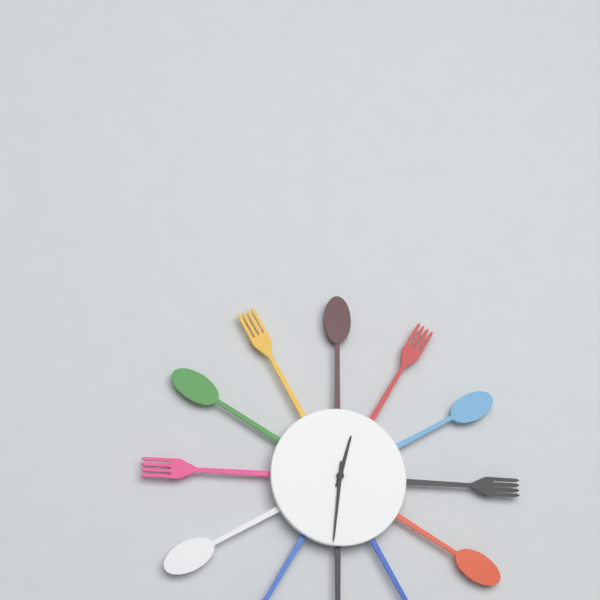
12:31
